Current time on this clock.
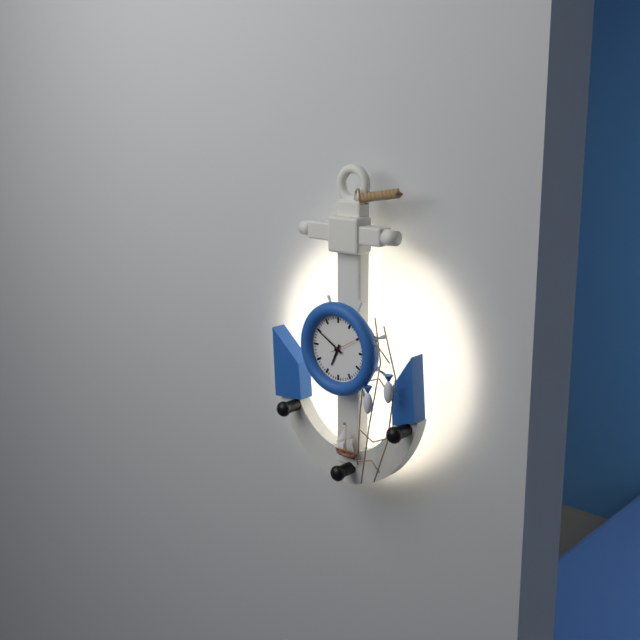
6:50
